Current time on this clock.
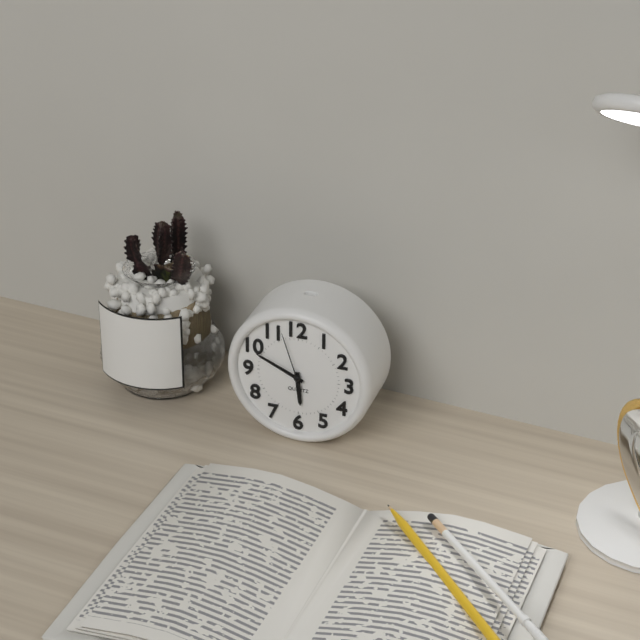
5:49:57
